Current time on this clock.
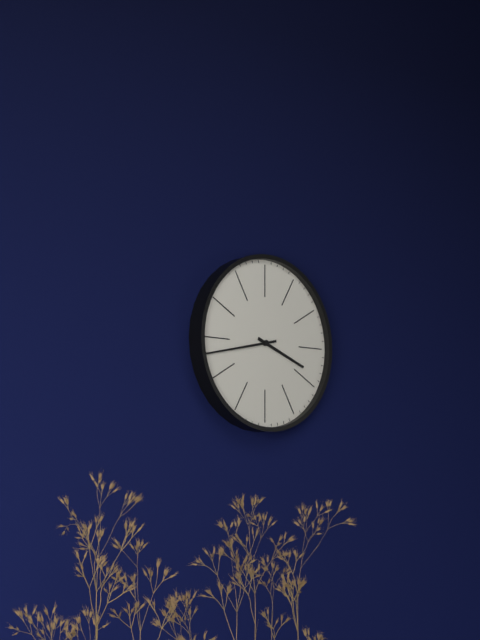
3:43
